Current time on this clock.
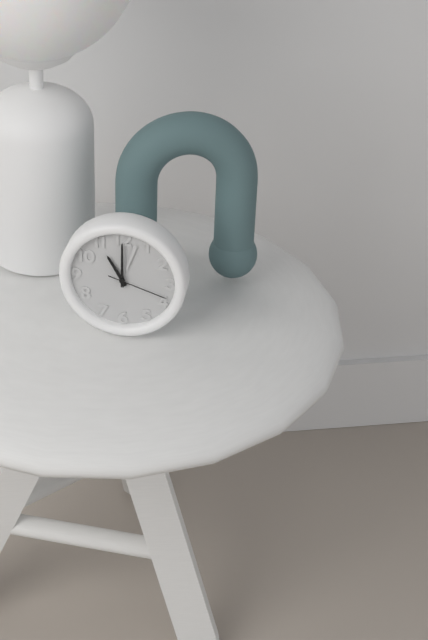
11:00:18
